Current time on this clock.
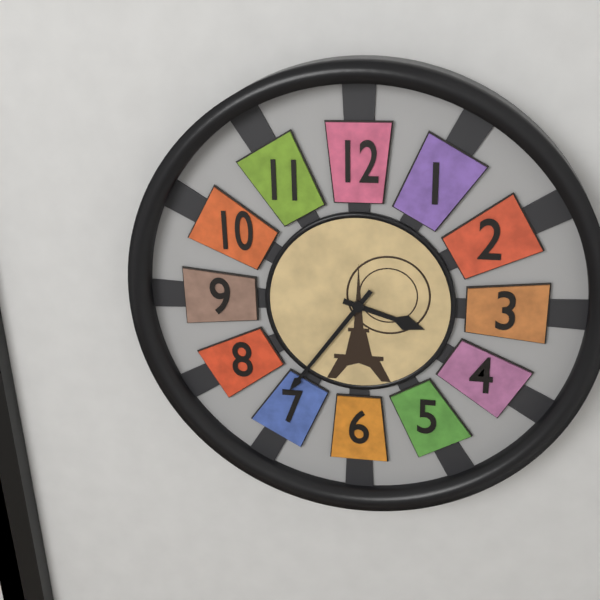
3:36
